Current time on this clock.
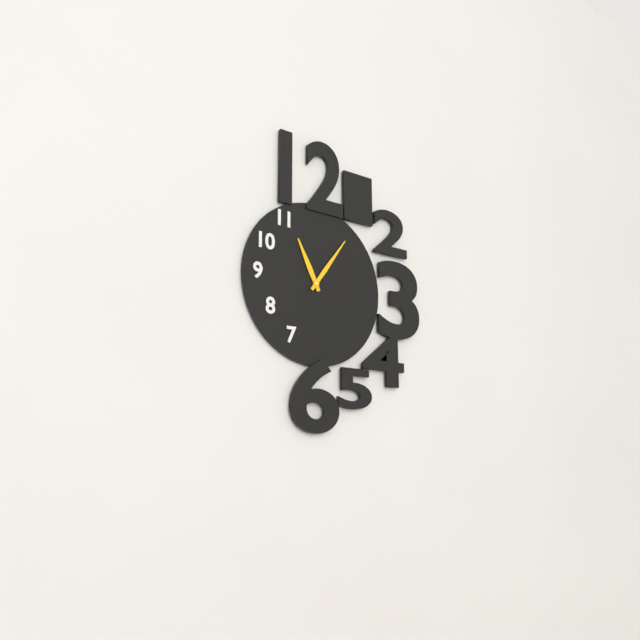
11:06
